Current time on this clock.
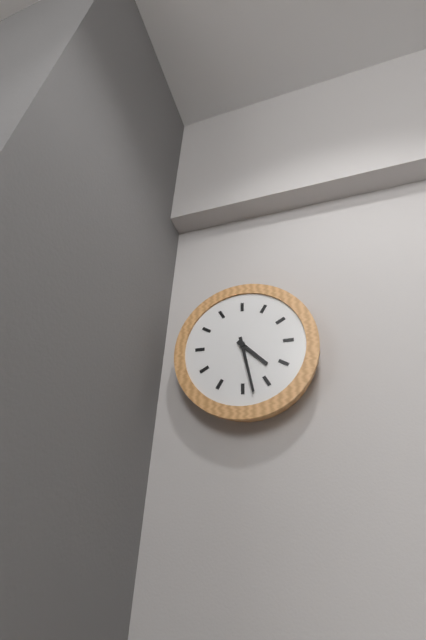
4:28
